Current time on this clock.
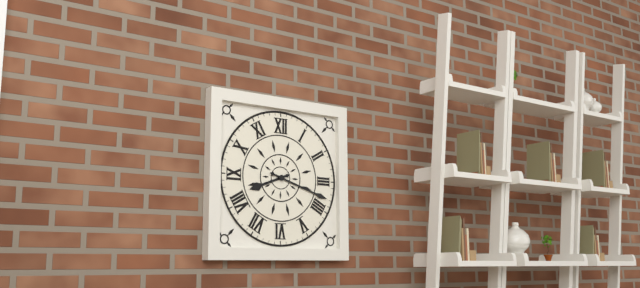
8:18
